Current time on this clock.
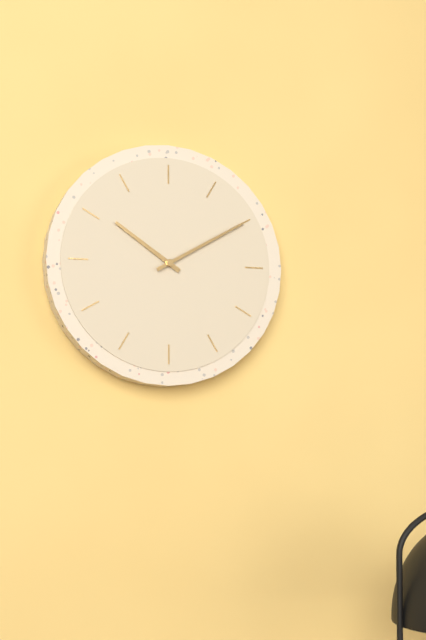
10:10
